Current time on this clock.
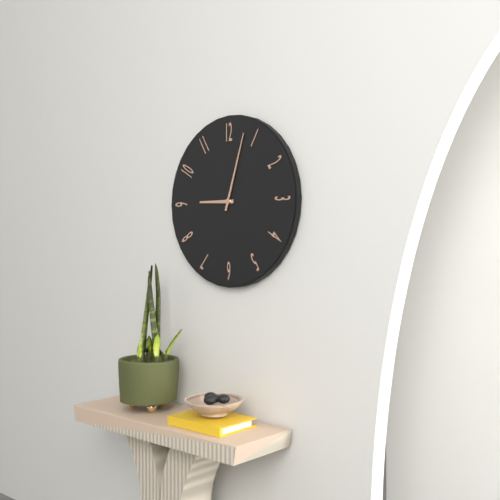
9:03
